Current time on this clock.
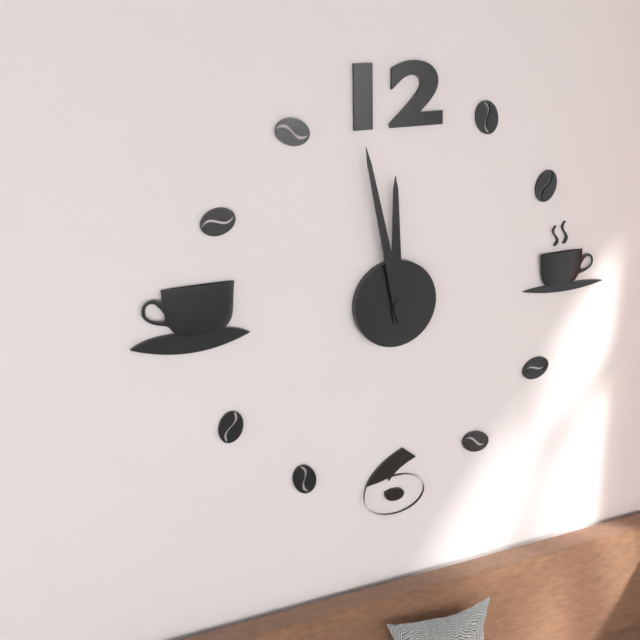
11:58
